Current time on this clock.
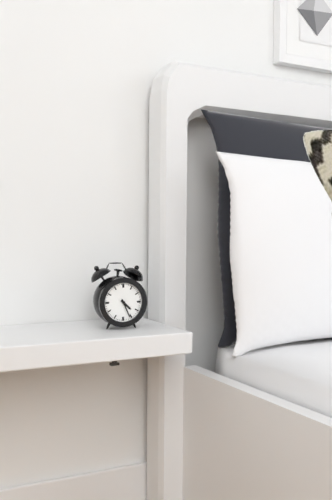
4:26
